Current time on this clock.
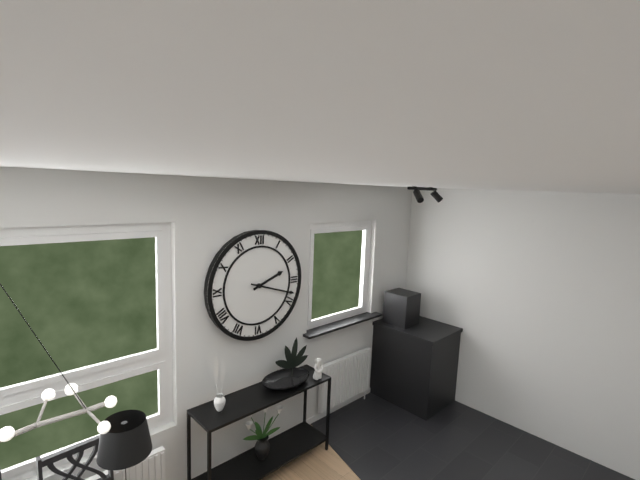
2:18
